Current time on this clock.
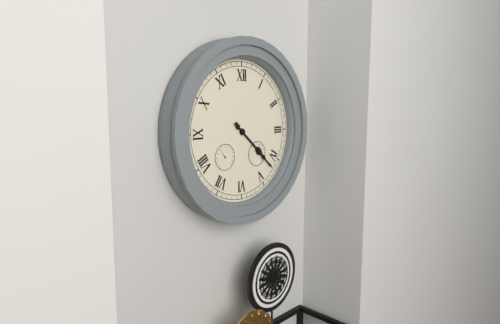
4:22
